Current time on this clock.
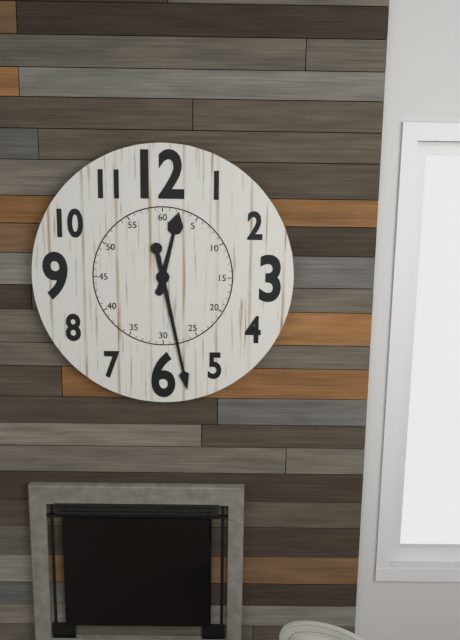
12:28
